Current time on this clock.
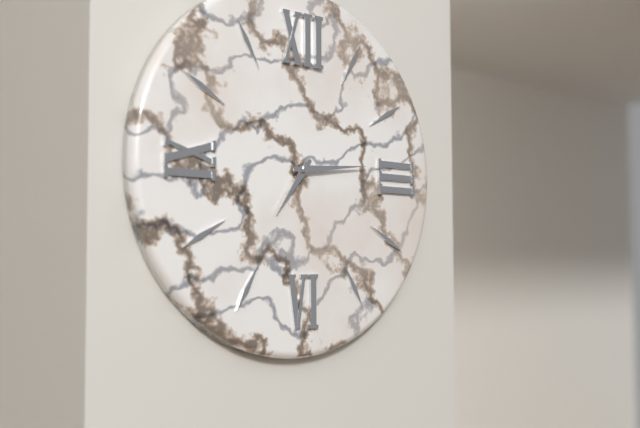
7:14
